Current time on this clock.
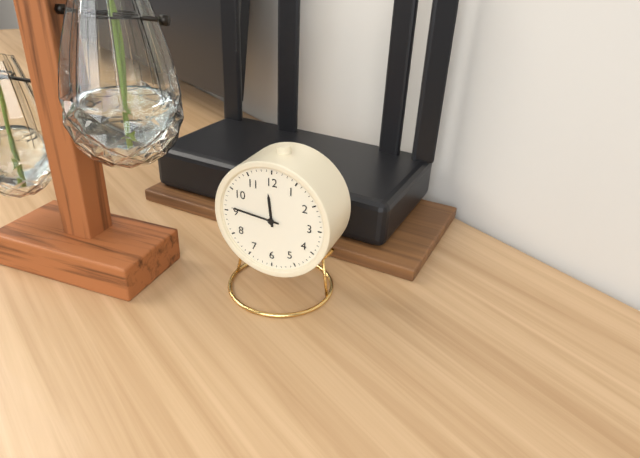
11:46
